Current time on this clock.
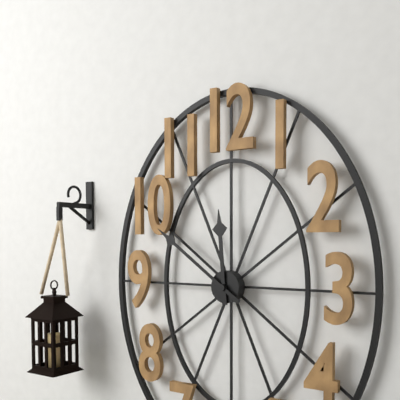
11:51
